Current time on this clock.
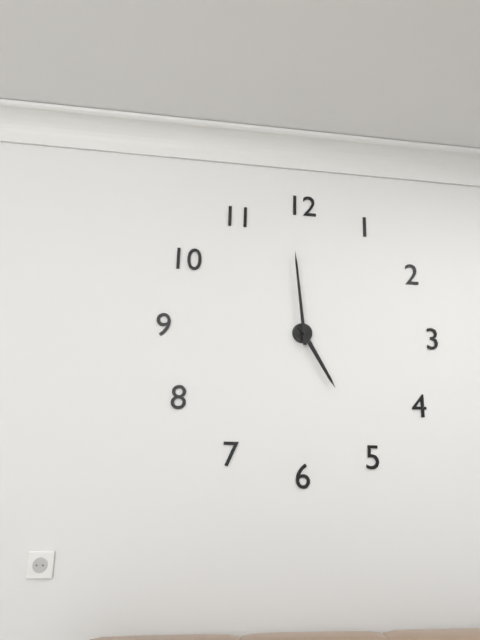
4:59
